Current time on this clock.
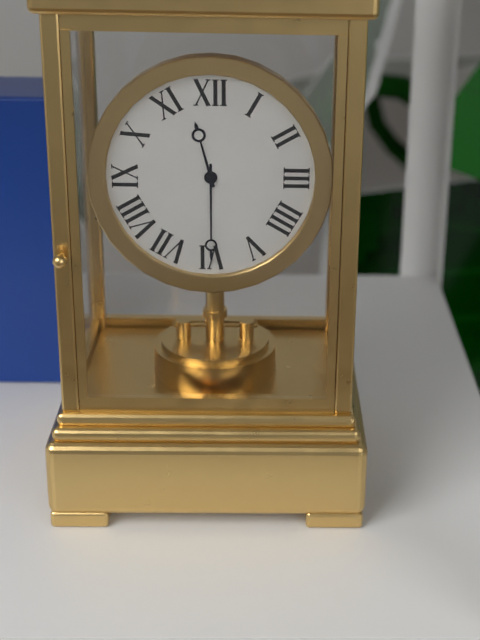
11:30
